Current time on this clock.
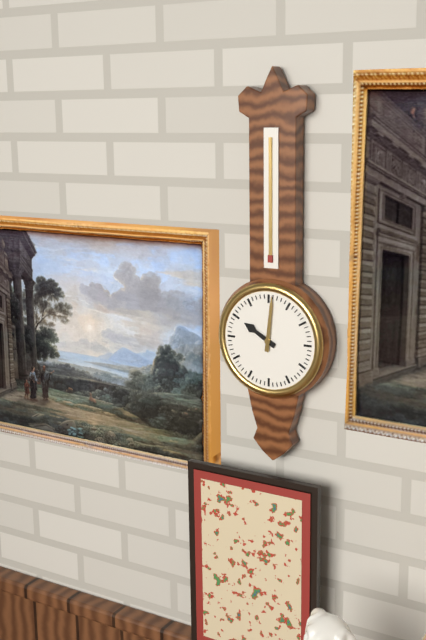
10:01
